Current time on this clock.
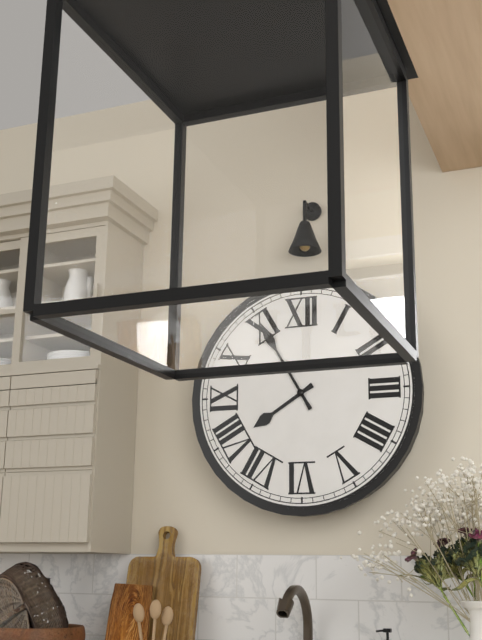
7:55
